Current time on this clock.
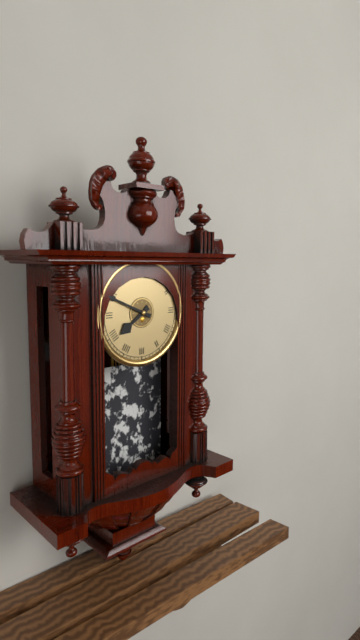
7:49
